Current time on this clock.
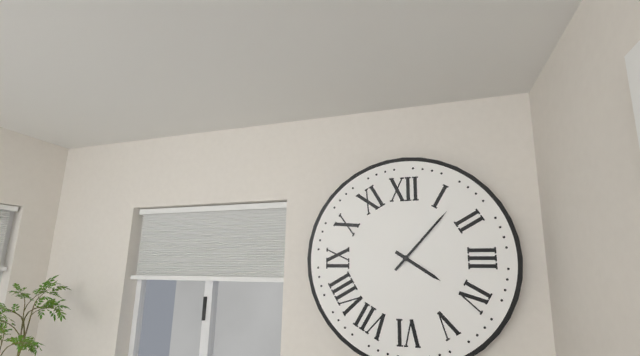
4:07
